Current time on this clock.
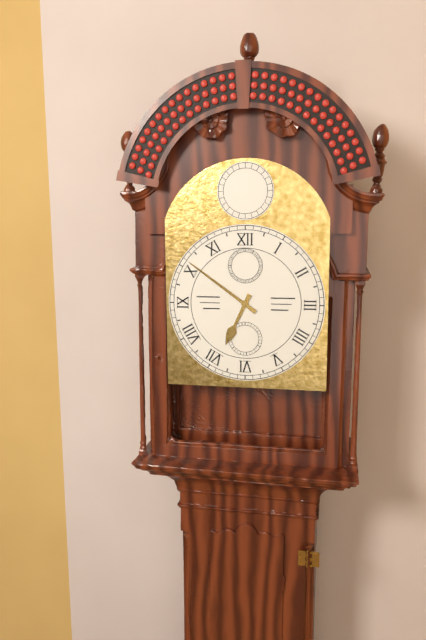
6:51
